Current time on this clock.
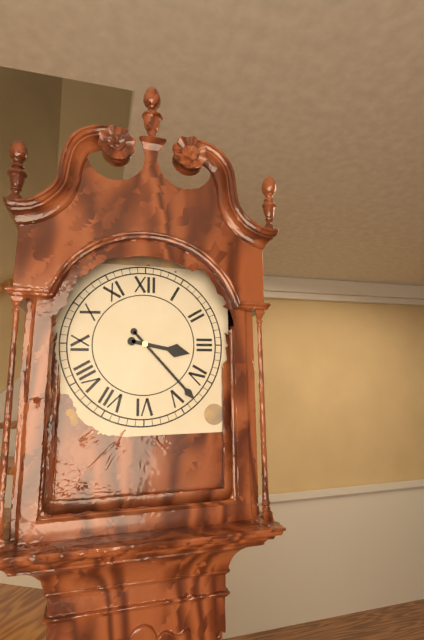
3:23
